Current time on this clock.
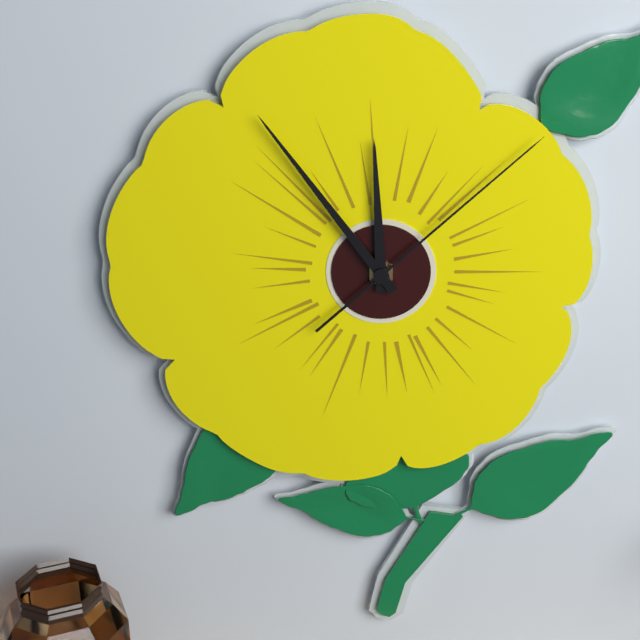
11:54:08
